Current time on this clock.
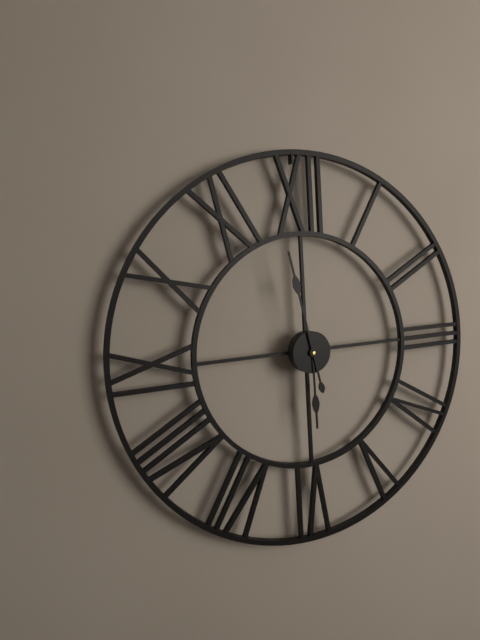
5:58
